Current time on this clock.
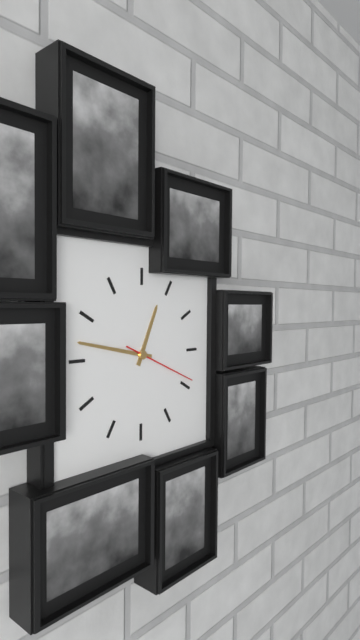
12:47:19
